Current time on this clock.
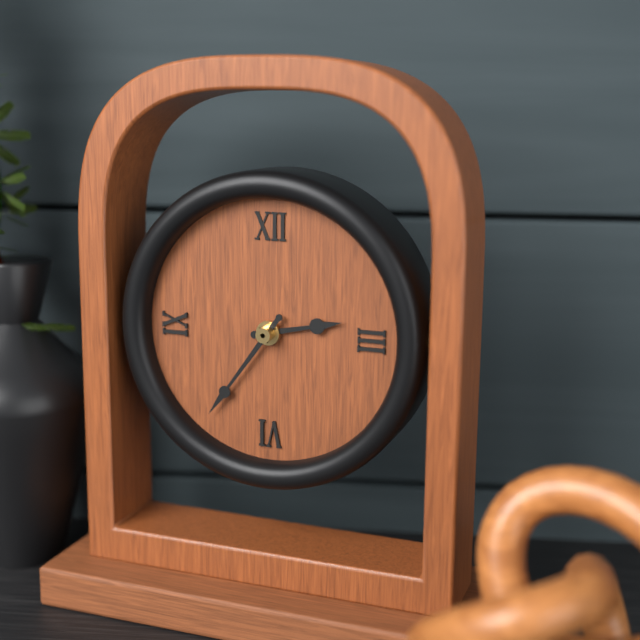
2:36
